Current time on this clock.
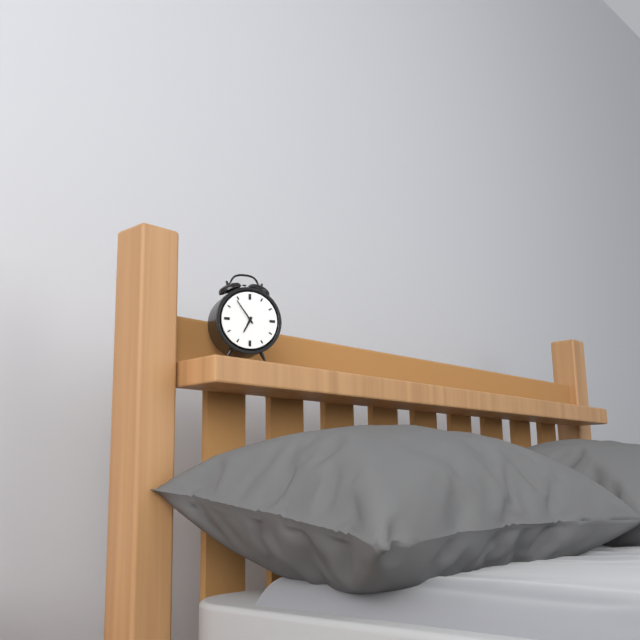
6:54
